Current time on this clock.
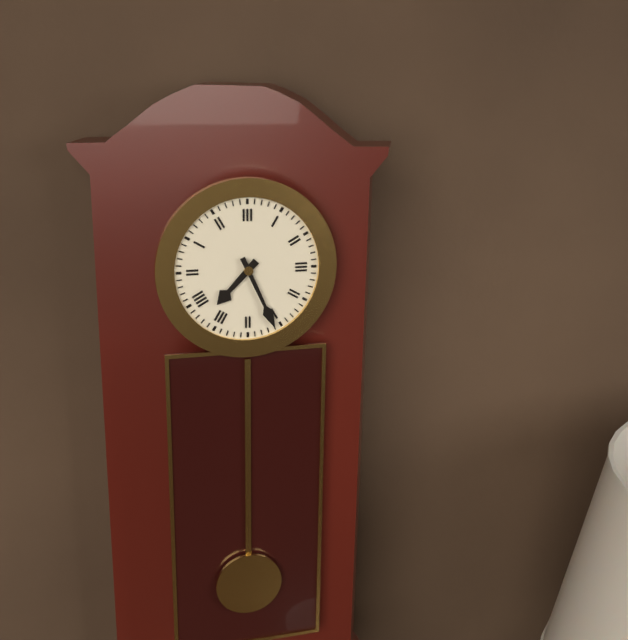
7:26
